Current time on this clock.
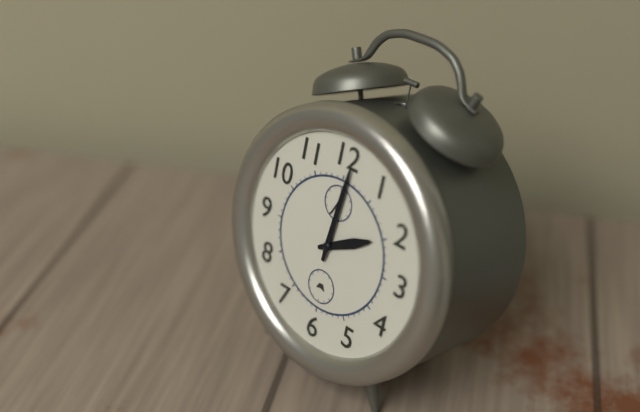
2:01
